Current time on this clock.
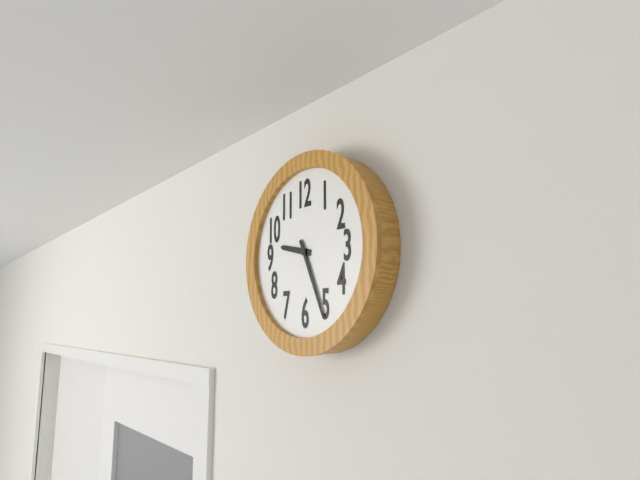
9:26
